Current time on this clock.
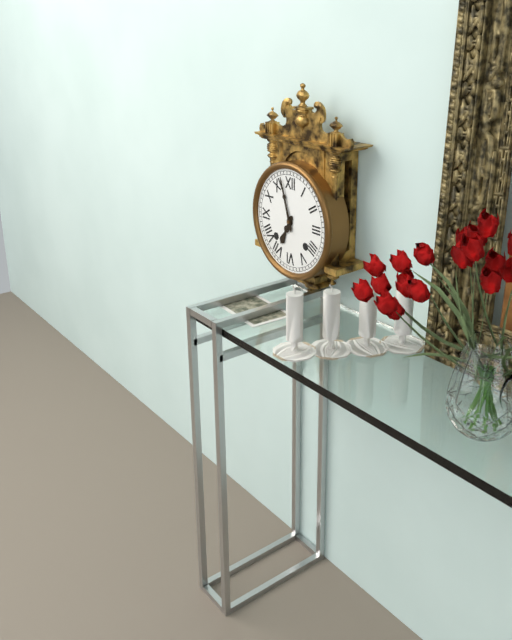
6:57
